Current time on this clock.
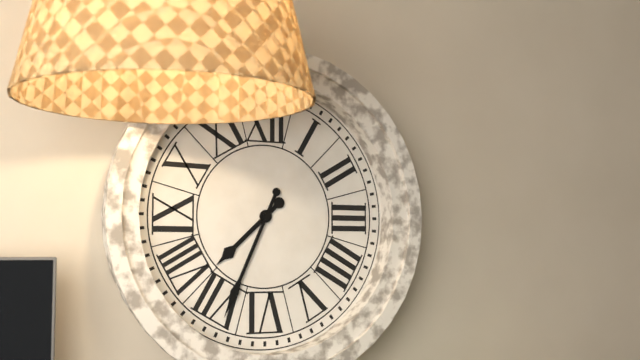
7:34
